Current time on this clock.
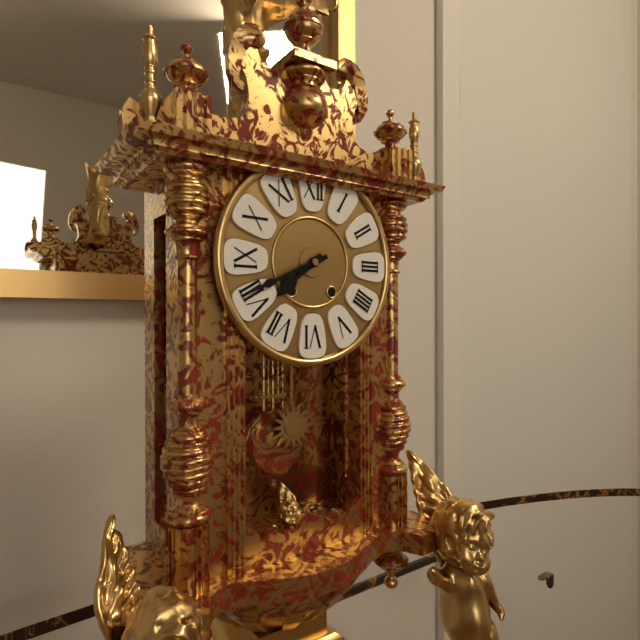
7:41
